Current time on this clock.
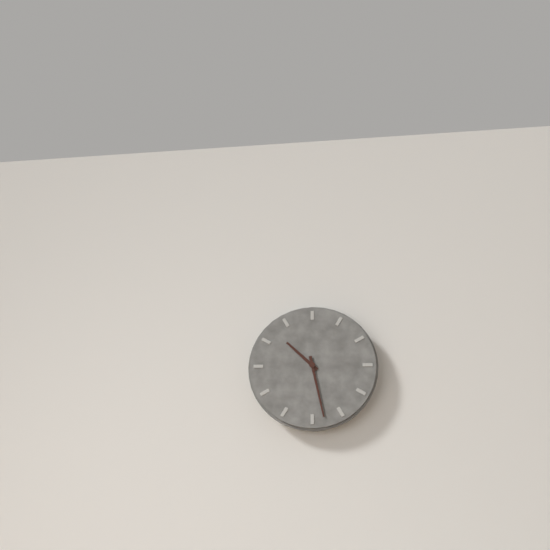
10:28
